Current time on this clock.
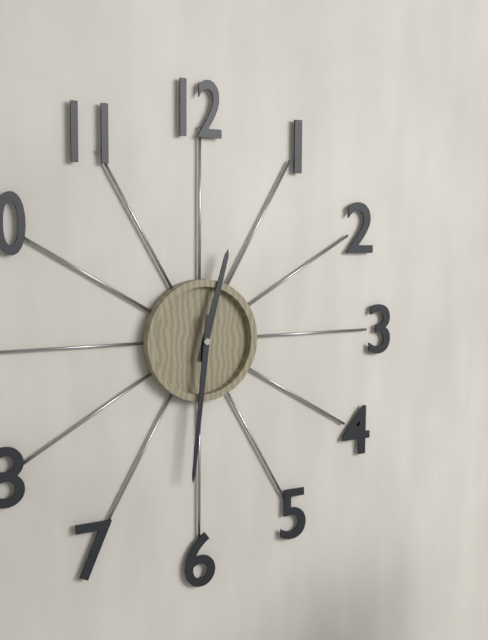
12:31
